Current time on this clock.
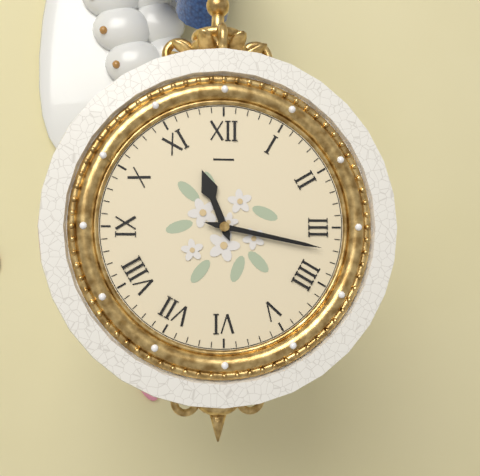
11:17
